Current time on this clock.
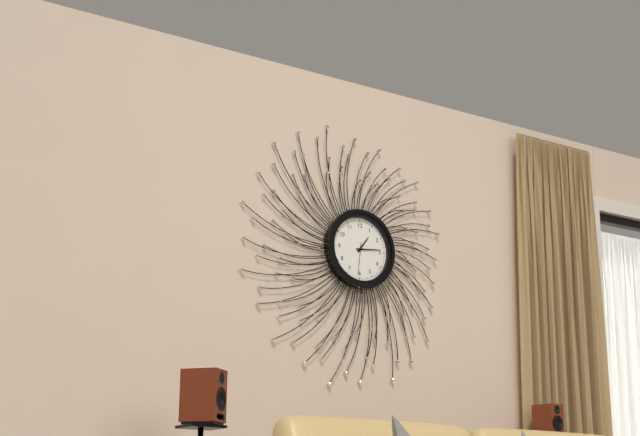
1:14
